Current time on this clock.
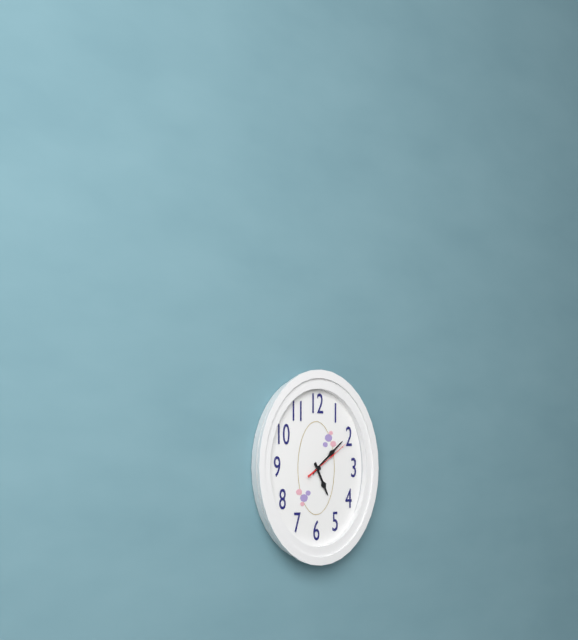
5:08
